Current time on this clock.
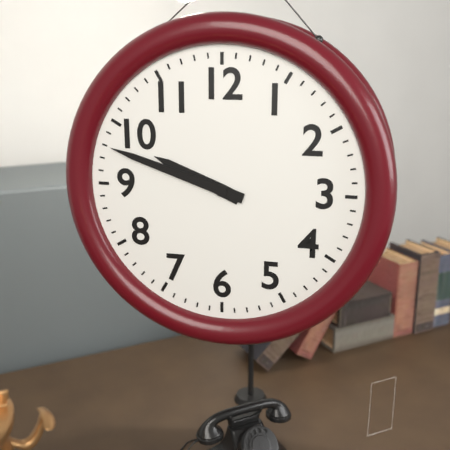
9:48
